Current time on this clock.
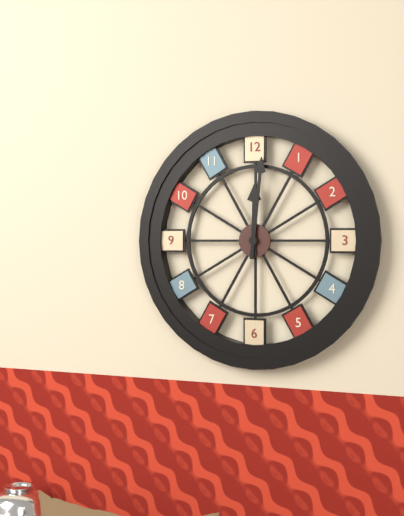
12:01
